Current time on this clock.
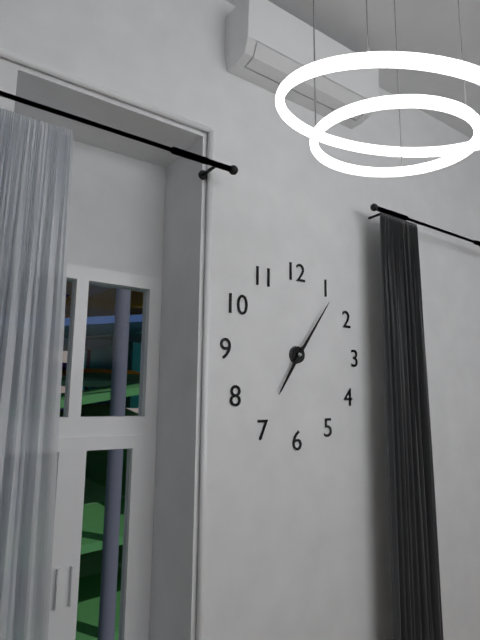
7:06
